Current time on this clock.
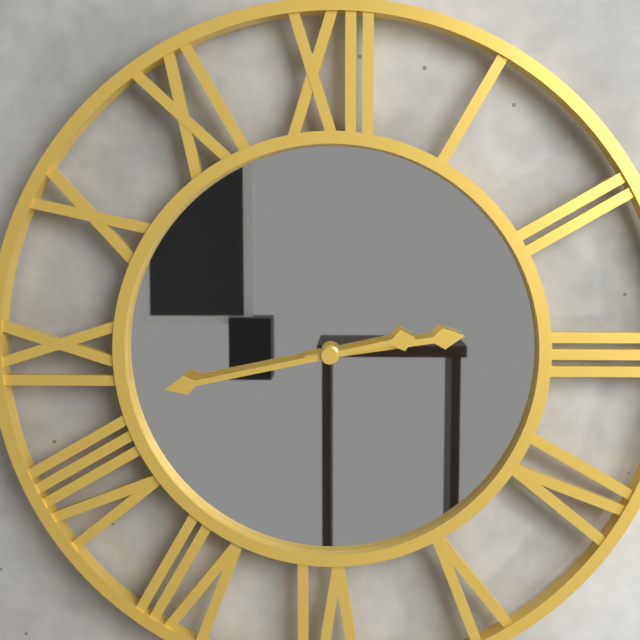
2:43
